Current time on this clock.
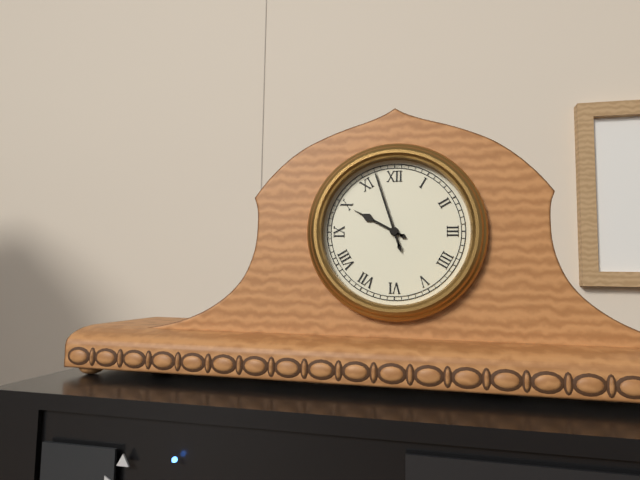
9:57
